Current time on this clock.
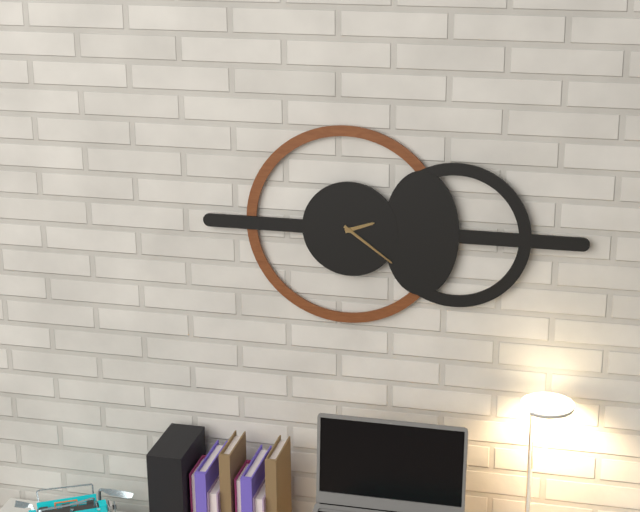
2:21
